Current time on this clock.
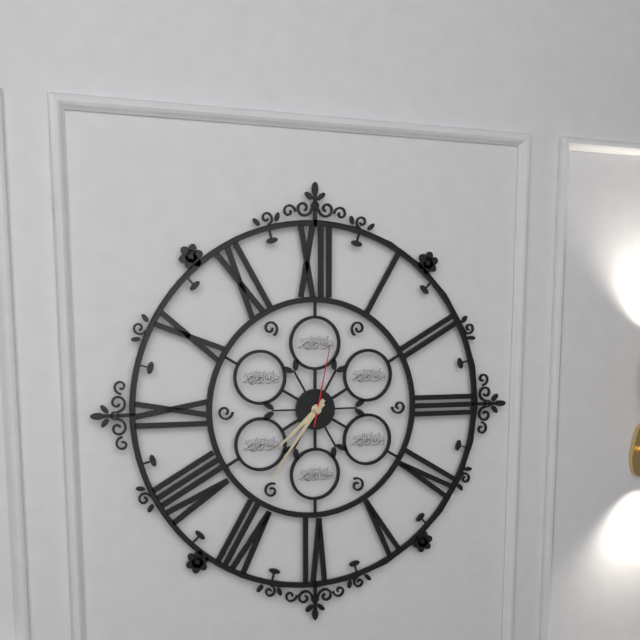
7:36:02
